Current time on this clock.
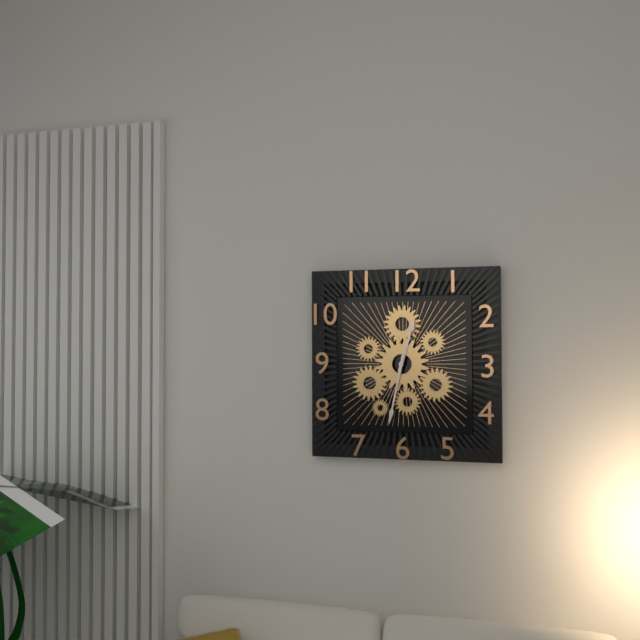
12:32
